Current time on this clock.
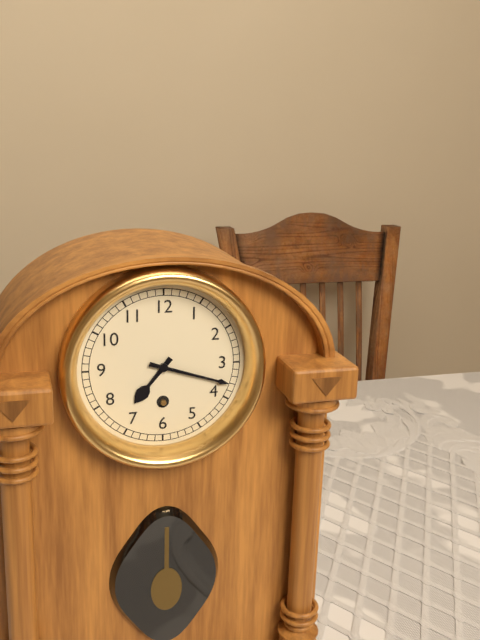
7:18
